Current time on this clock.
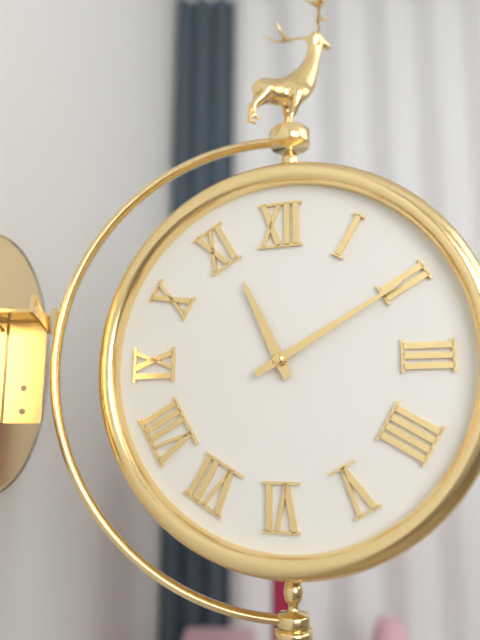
11:10
